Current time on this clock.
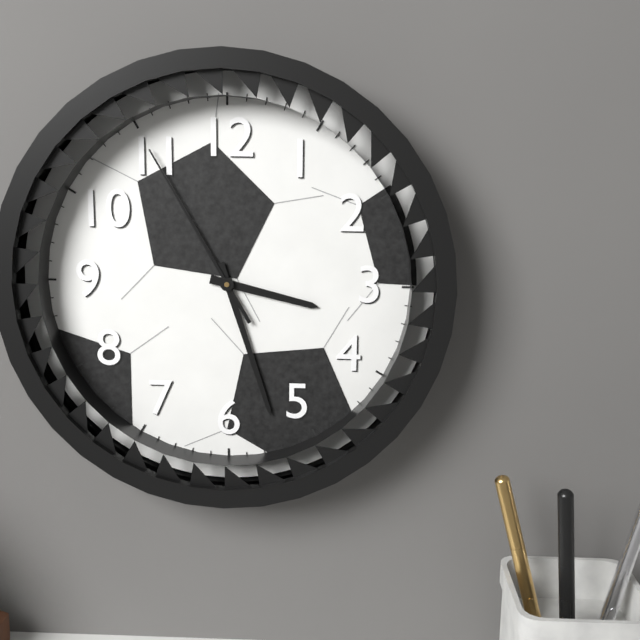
3:27:55
